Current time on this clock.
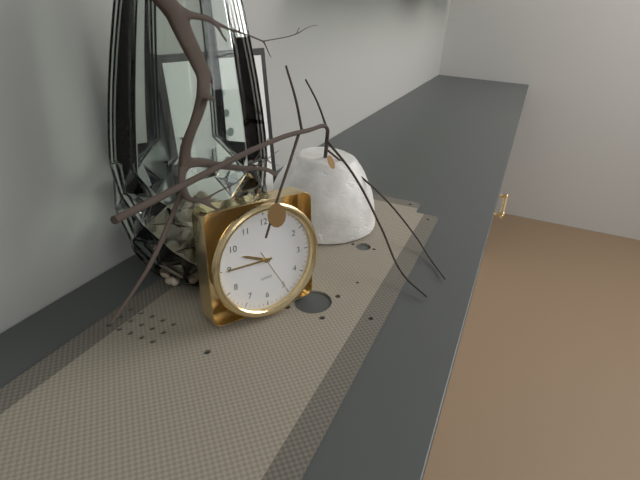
9:45
